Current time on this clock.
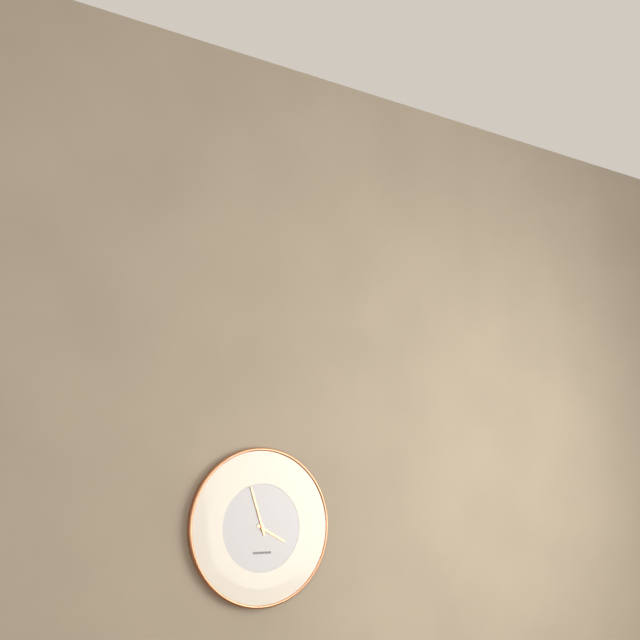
3:57
